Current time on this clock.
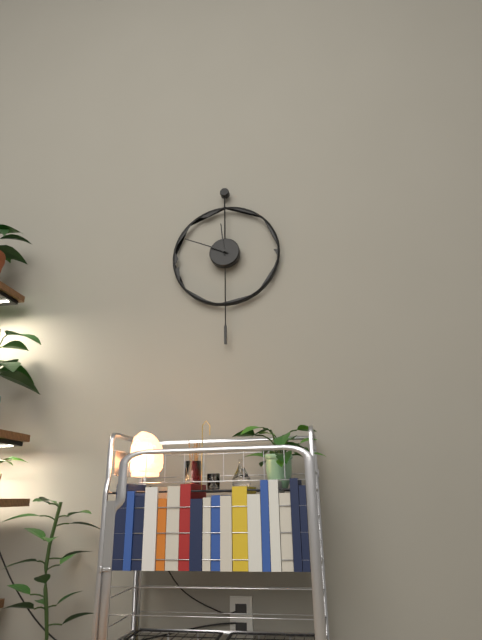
11:49
